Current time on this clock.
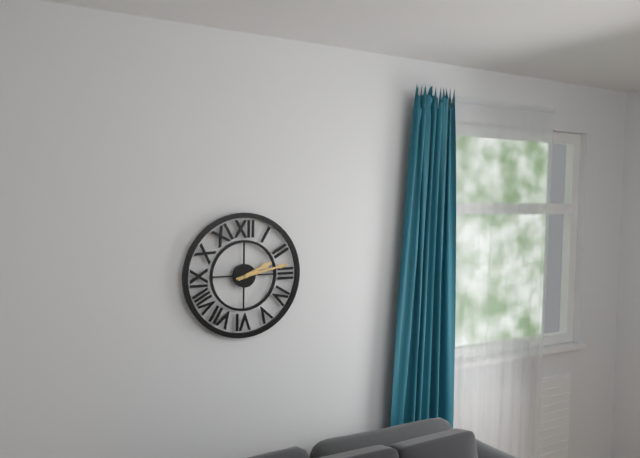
2:13
